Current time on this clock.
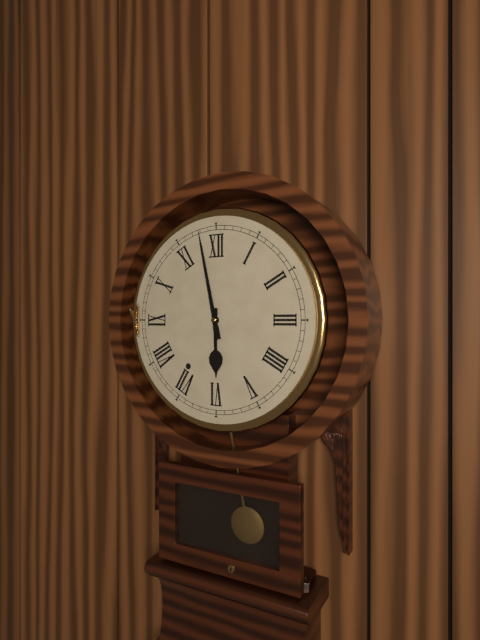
5:58
